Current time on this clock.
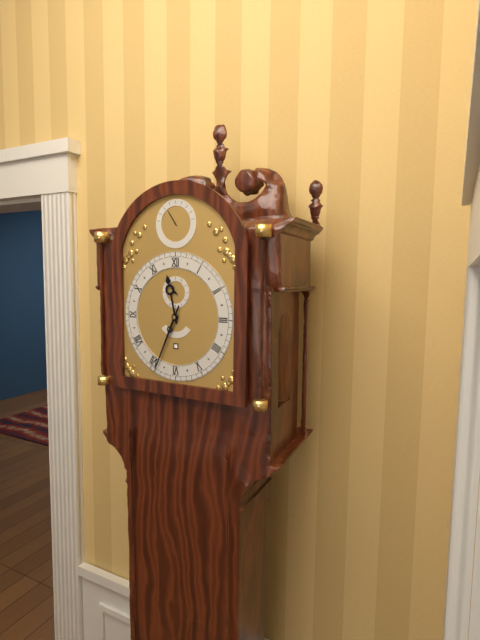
11:34
